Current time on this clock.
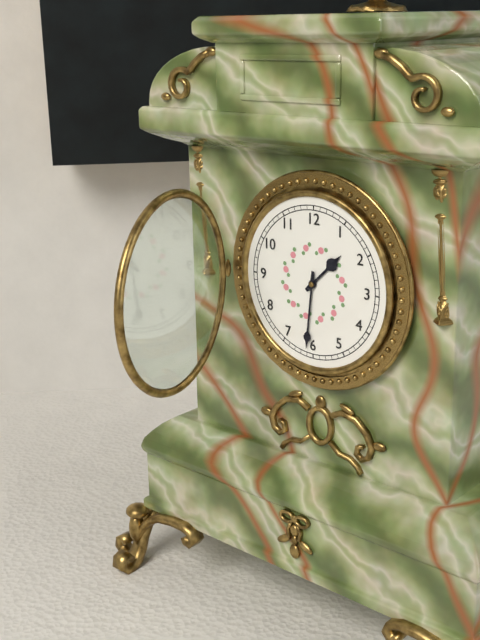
1:31
